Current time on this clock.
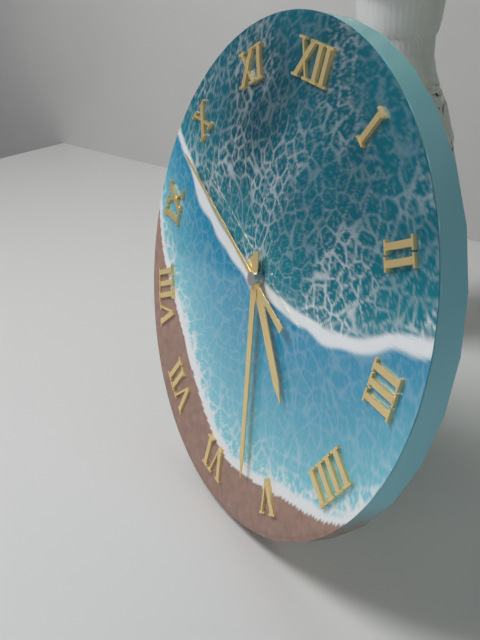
4:27:48
